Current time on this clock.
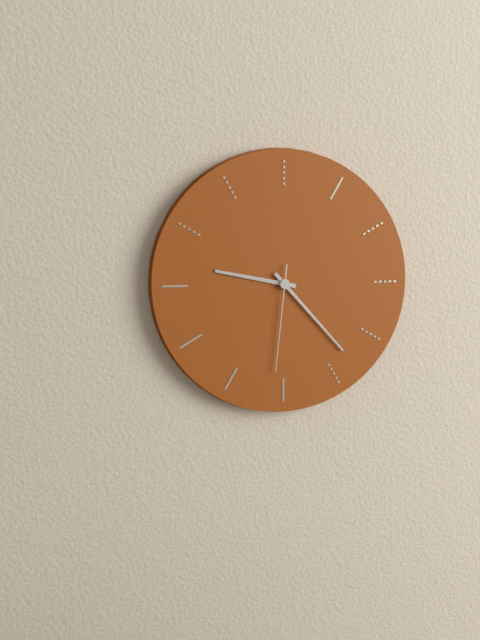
9:23:31
